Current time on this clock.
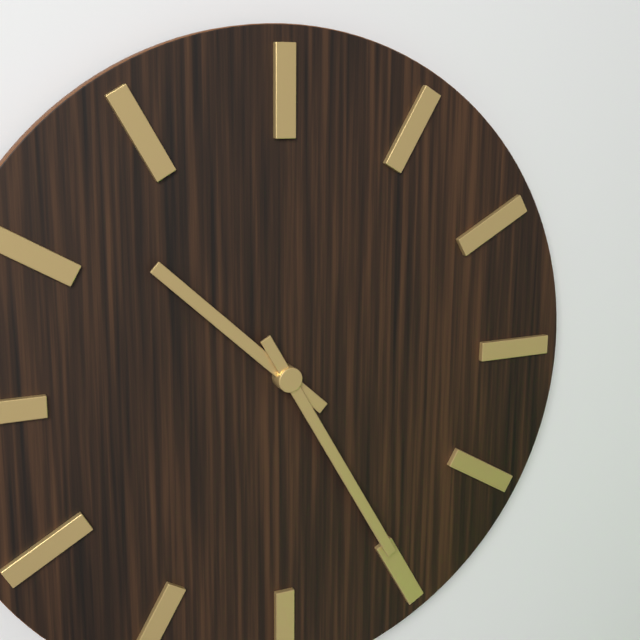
10:25
